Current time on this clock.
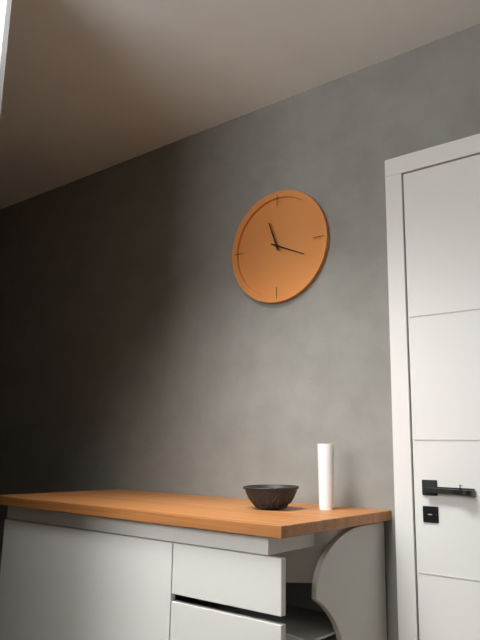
11:19
